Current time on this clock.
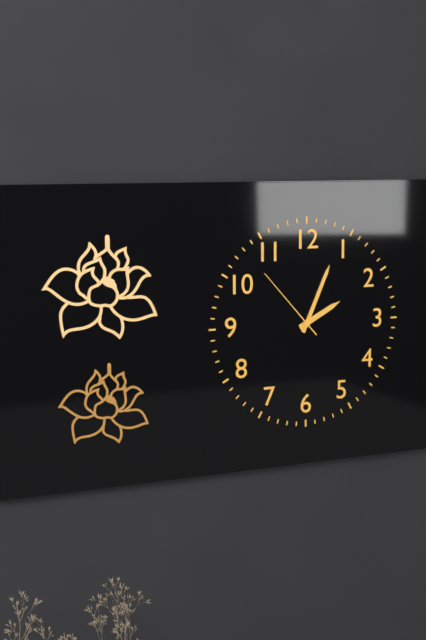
2:04:53
